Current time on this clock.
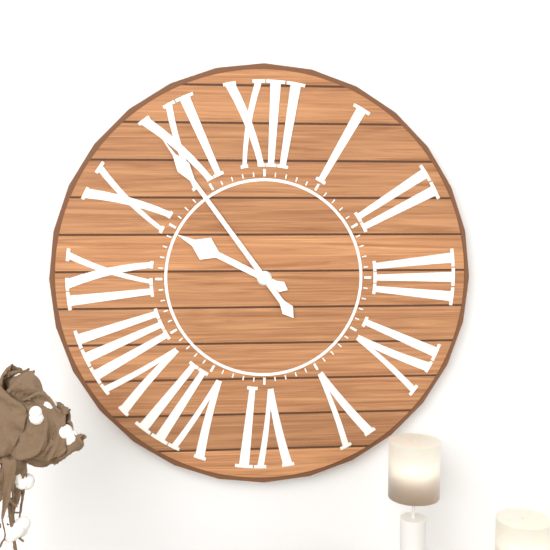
9:54
